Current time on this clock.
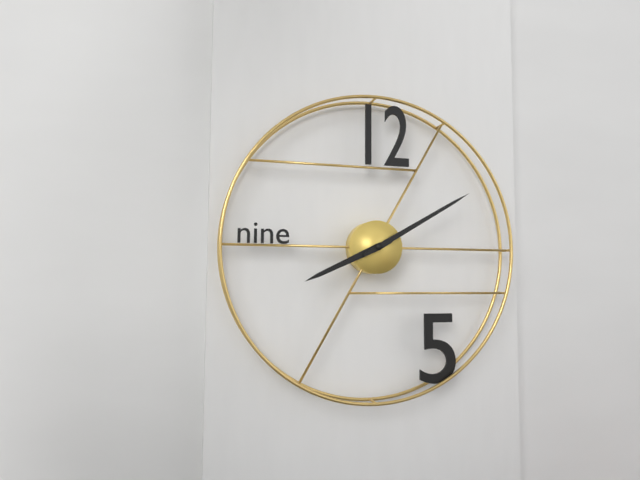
8:10
